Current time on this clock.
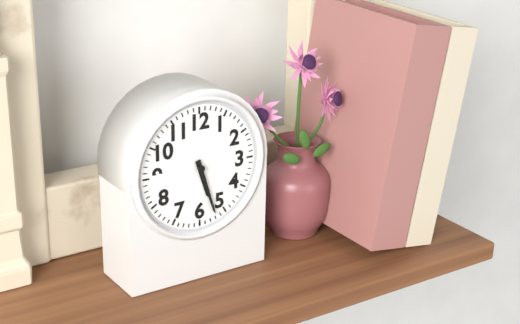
5:27
